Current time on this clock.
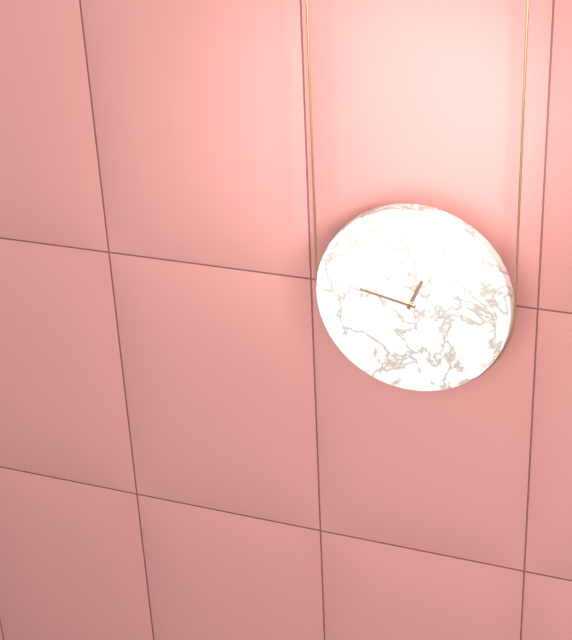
12:47
